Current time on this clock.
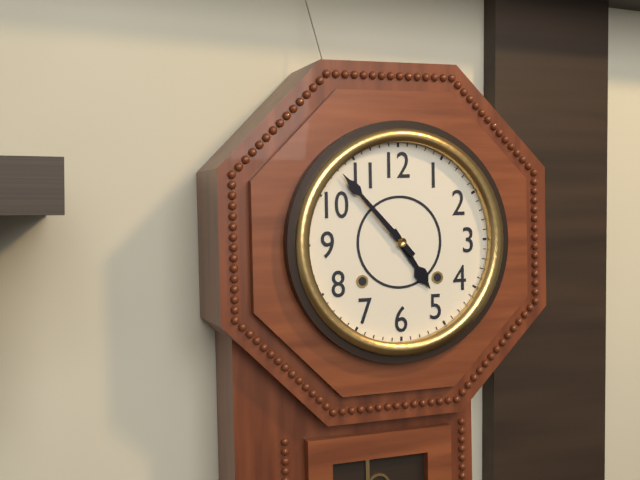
4:53
